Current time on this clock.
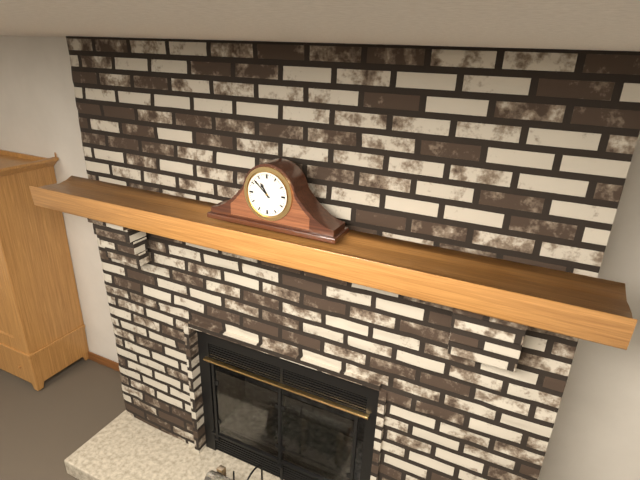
10:52
